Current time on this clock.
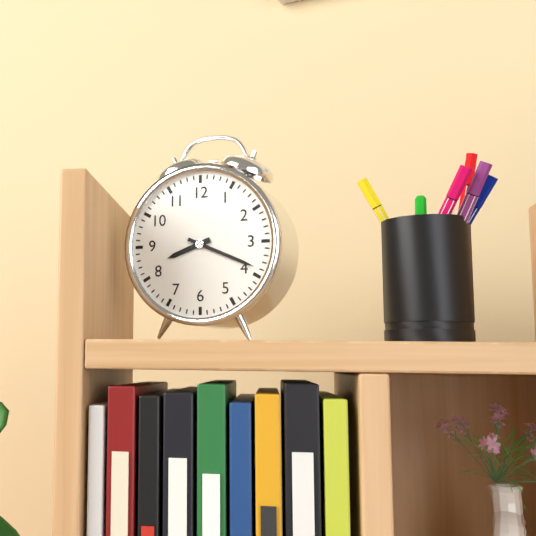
8:19
